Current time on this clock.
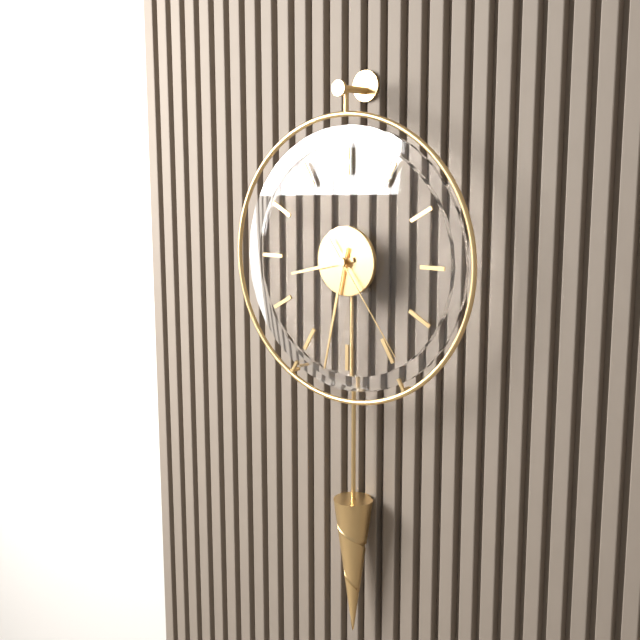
8:32:24
